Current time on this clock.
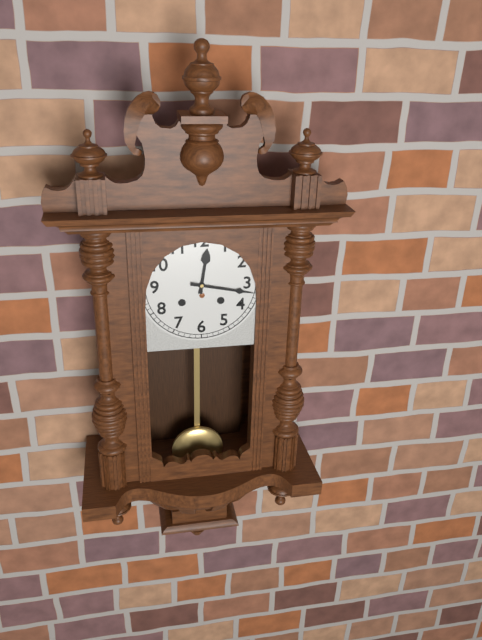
12:17
